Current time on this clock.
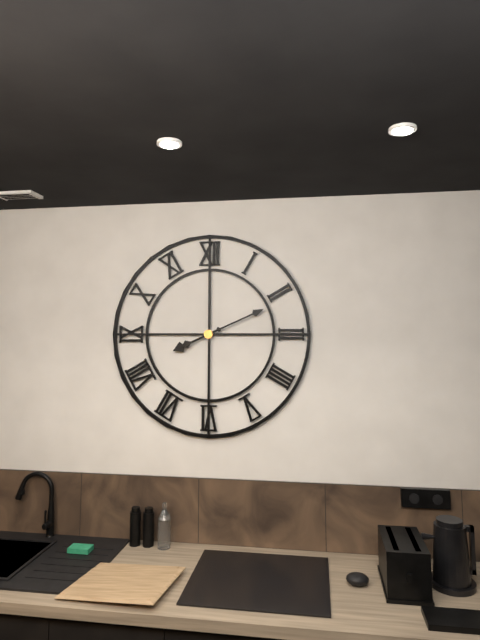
8:11
